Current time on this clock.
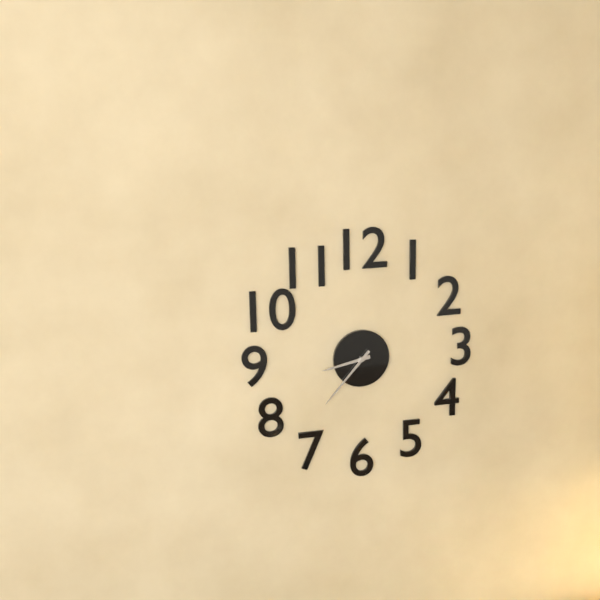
8:37
